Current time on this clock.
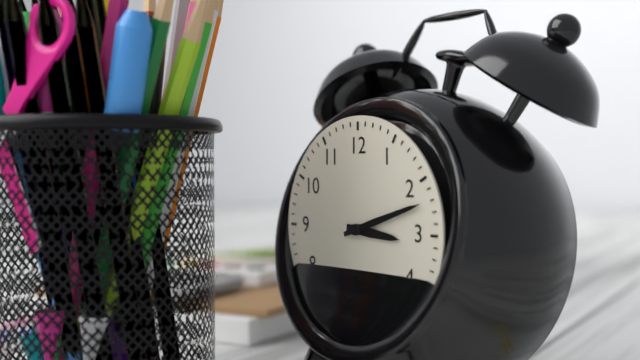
3:12
